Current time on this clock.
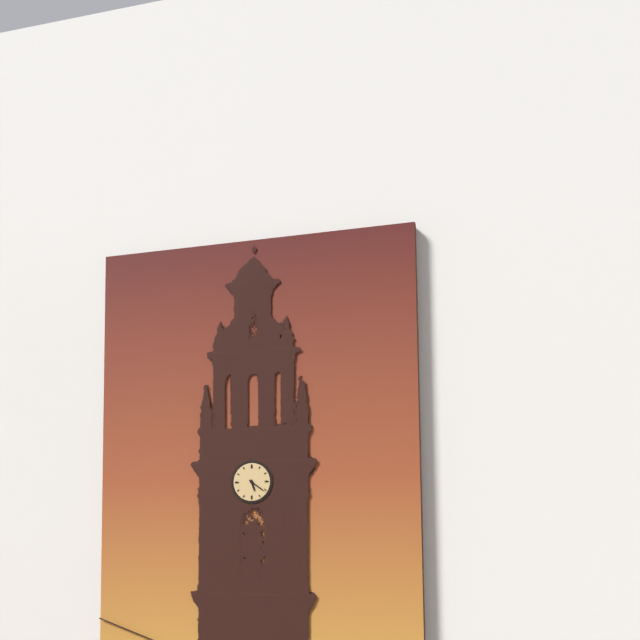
5:21
